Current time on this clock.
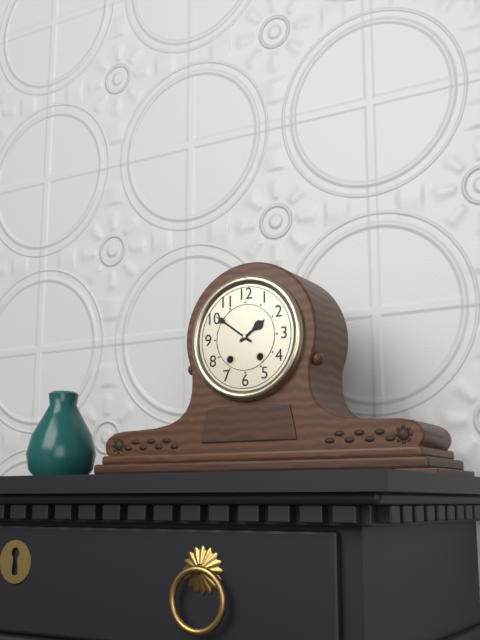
1:51
